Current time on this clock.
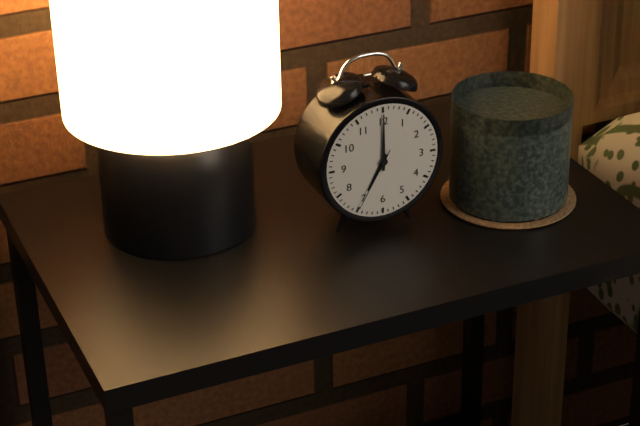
7:00:35
